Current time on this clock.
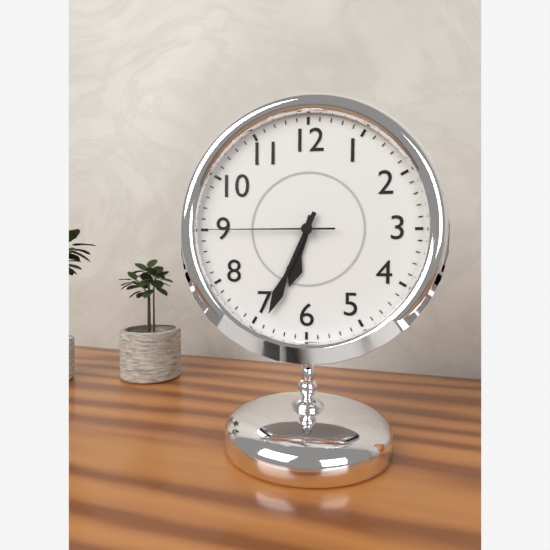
6:34:45
